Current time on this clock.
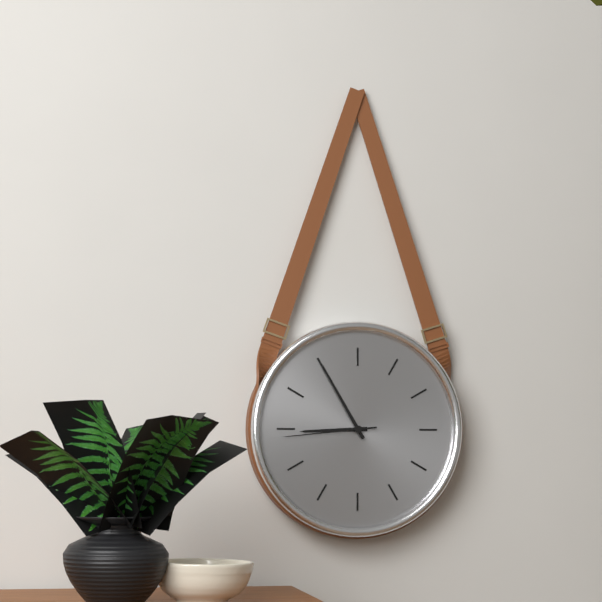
8:55:44
